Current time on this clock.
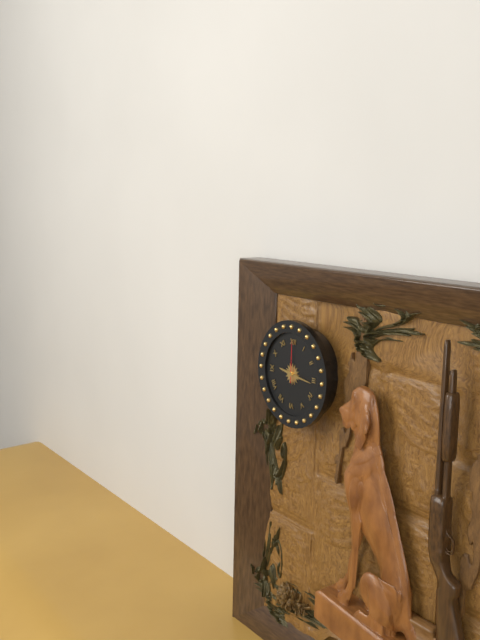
9:16
